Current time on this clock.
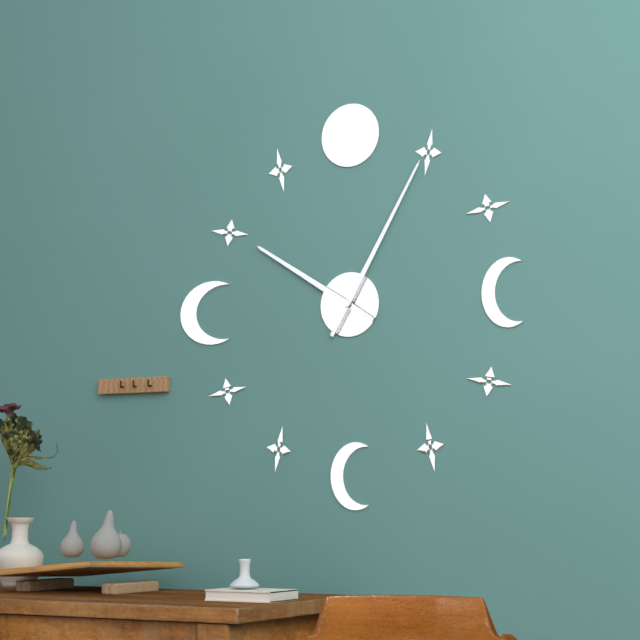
10:05
